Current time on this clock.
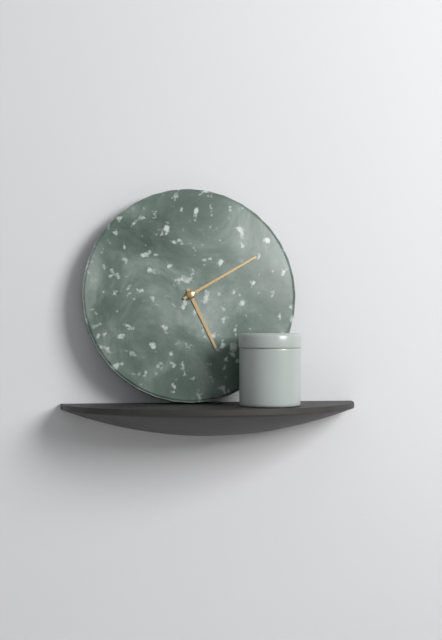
5:10
